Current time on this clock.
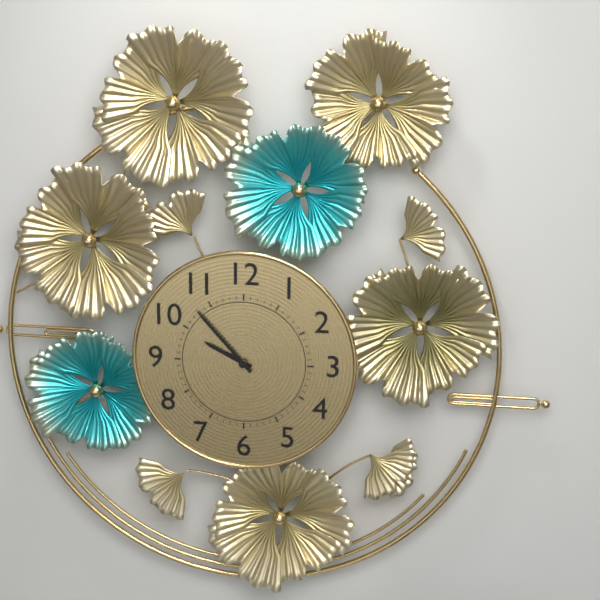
9:53
